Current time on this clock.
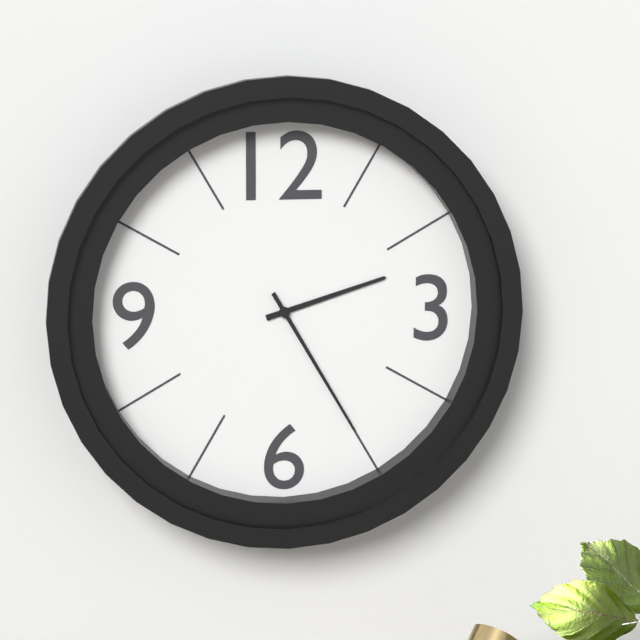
2:25
